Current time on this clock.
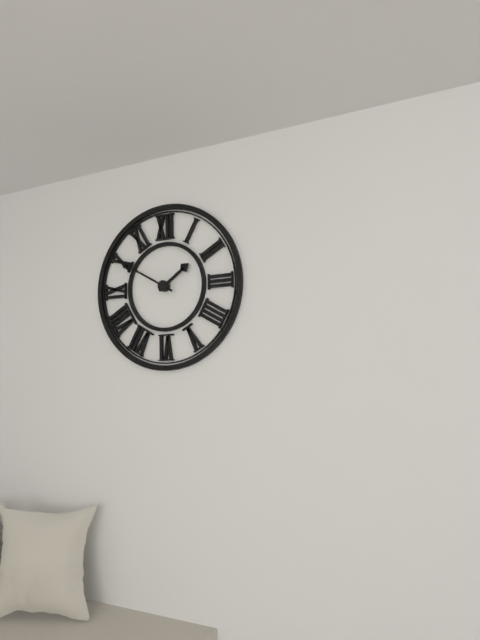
1:50
